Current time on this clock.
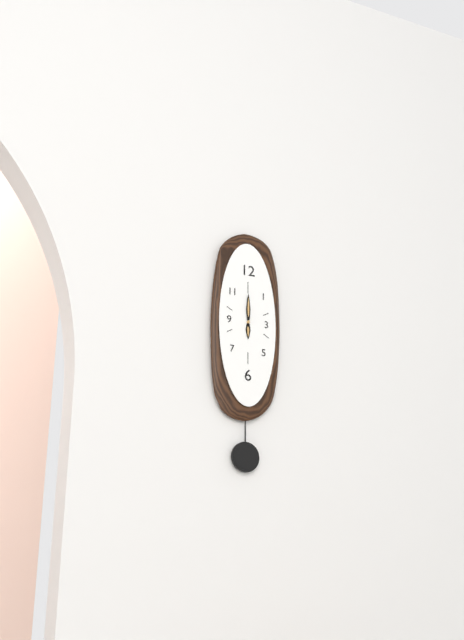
6:00
